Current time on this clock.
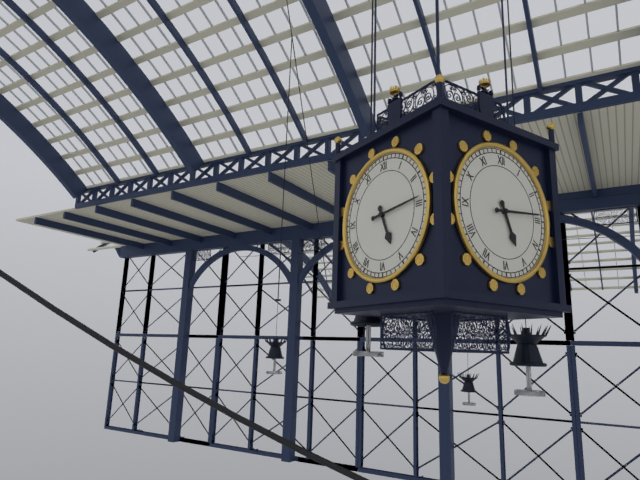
5:14
